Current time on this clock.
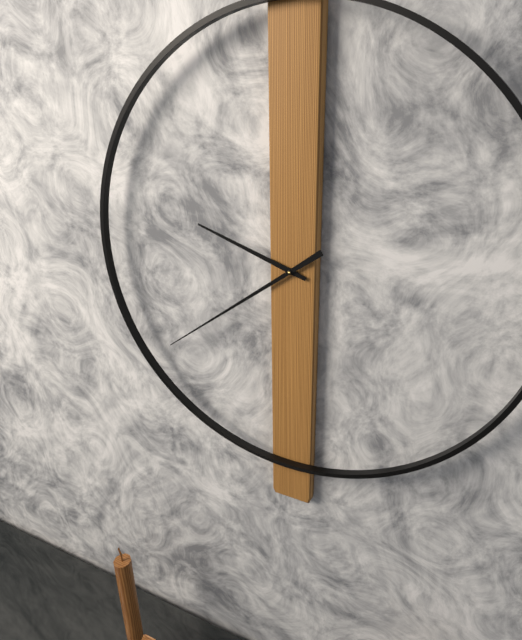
9:39
